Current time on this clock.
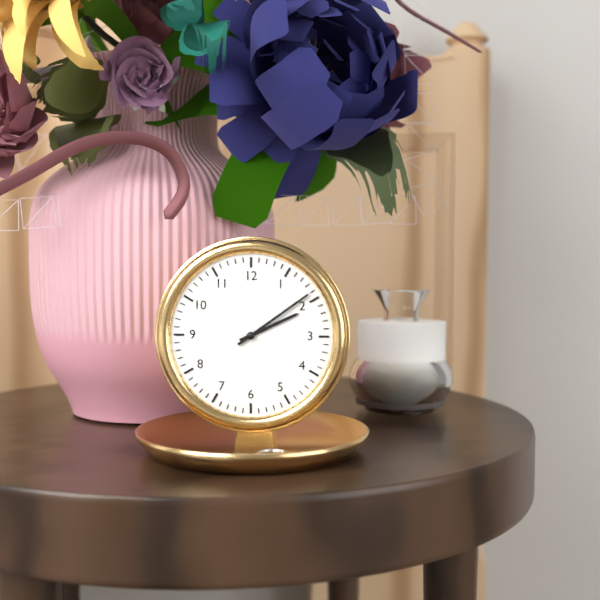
2:09
